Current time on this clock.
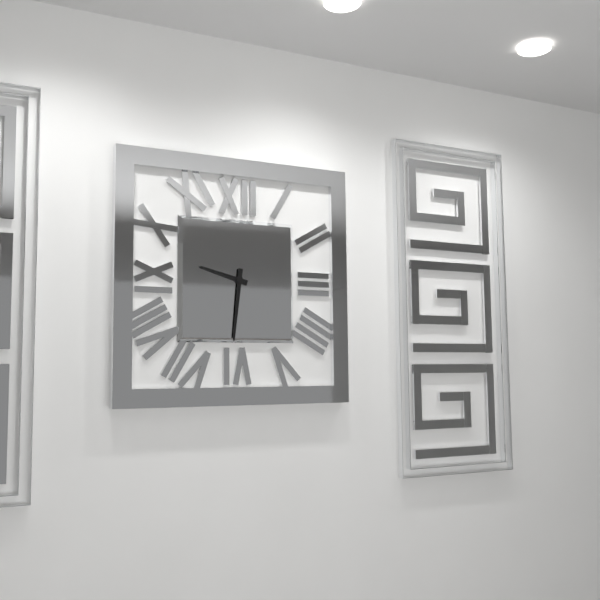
9:31
